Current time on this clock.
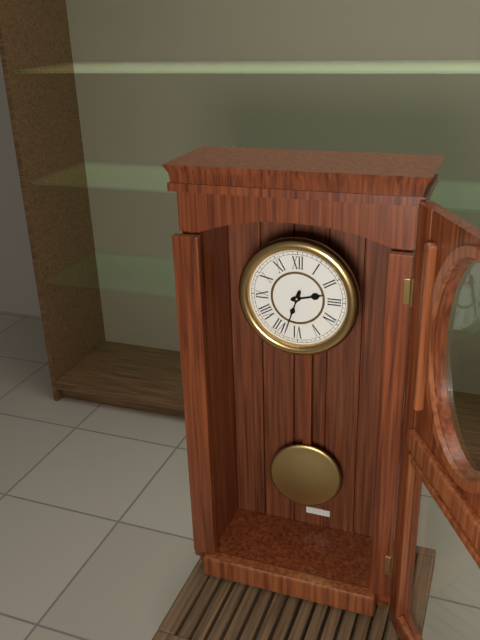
2:33
